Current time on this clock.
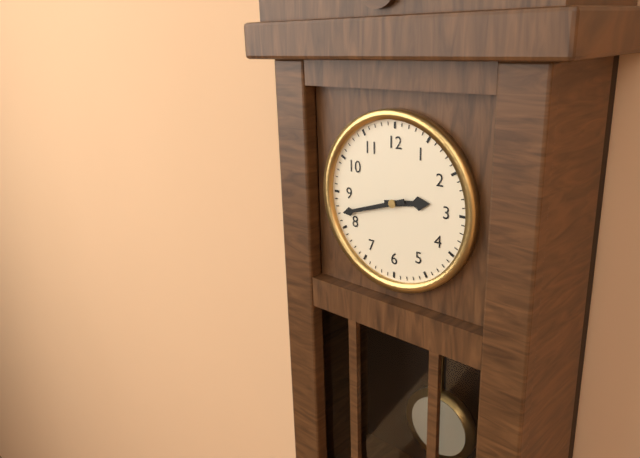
2:42
